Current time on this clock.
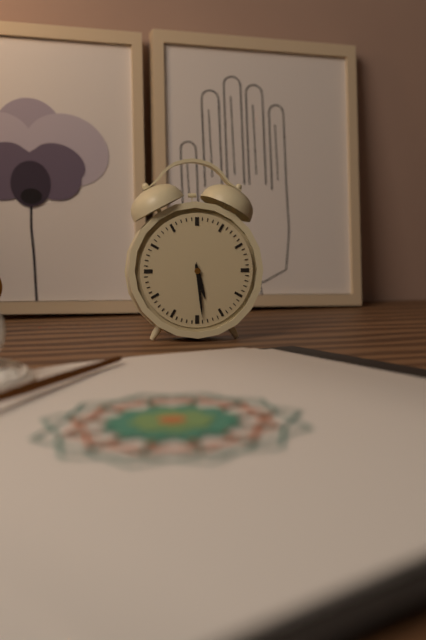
5:29
